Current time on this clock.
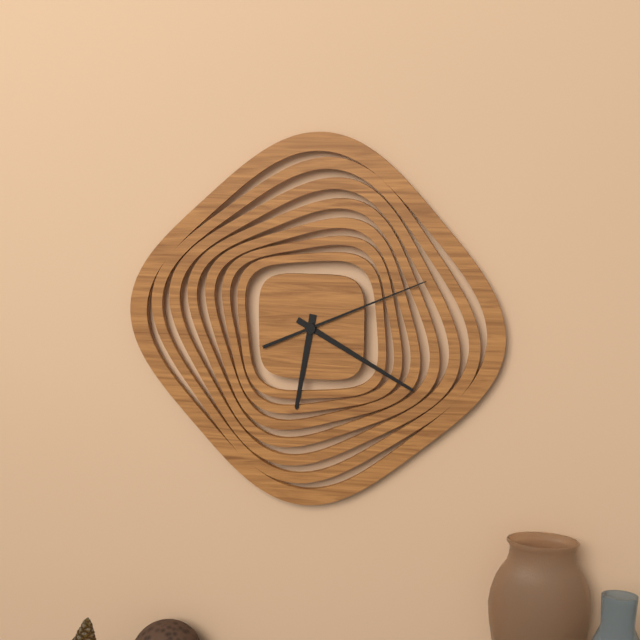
6:20:11
